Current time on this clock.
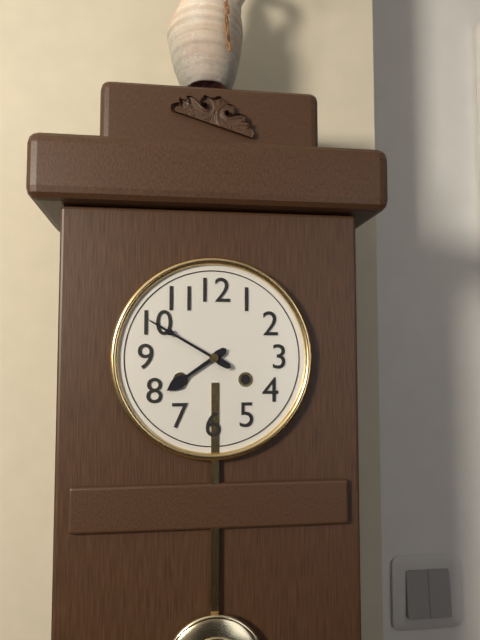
7:50
